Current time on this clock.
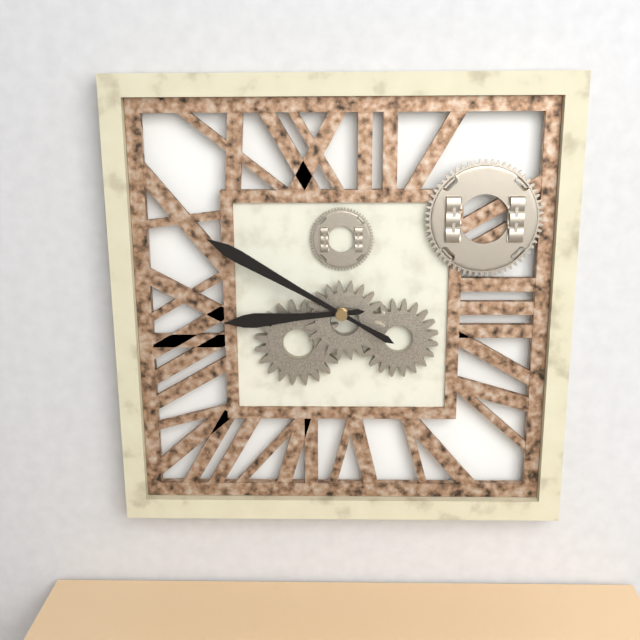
8:50
